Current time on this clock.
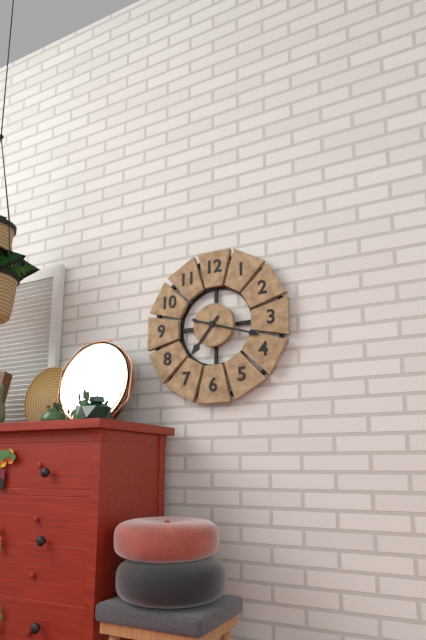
7:18
